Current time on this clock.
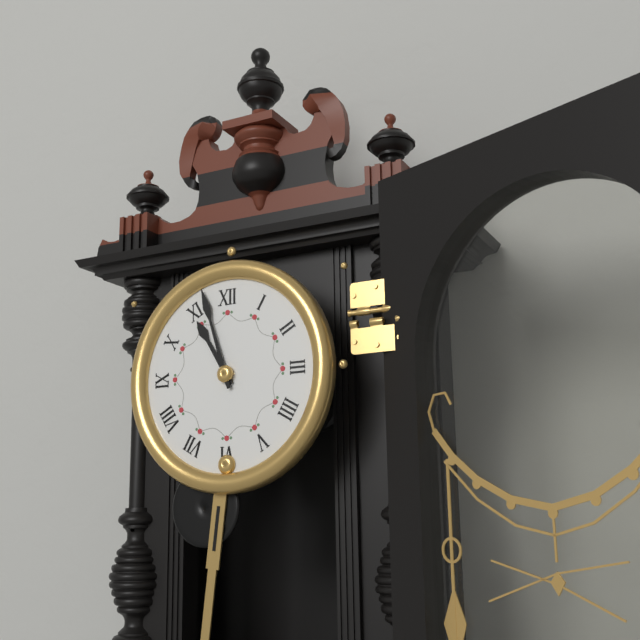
10:57
